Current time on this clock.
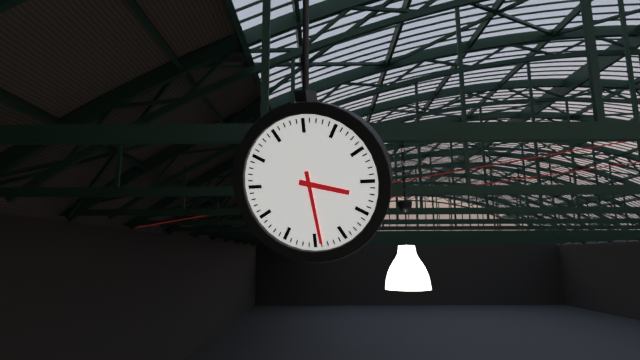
3:29
